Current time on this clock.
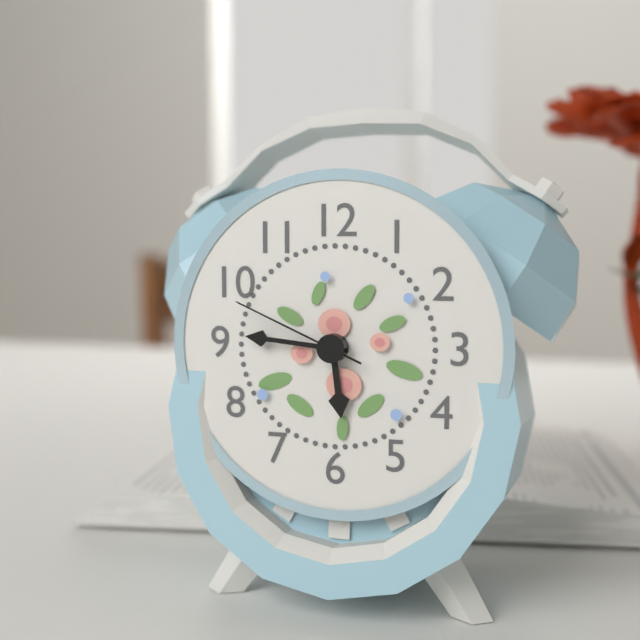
5:46:49
